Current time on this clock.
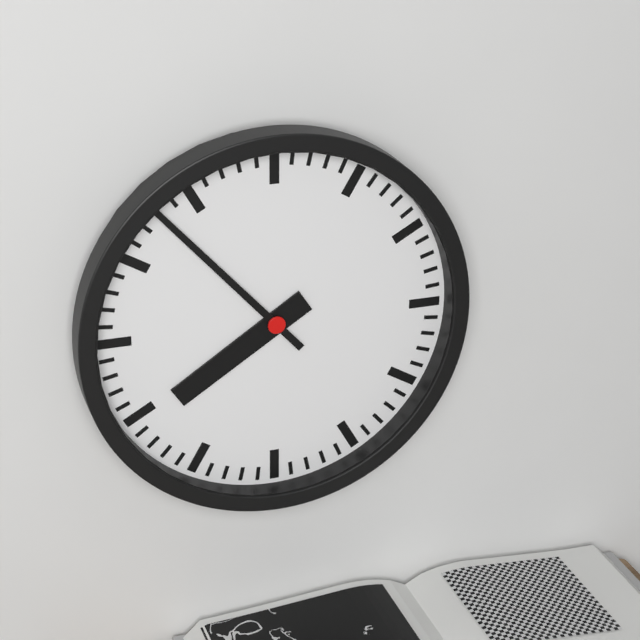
7:53
